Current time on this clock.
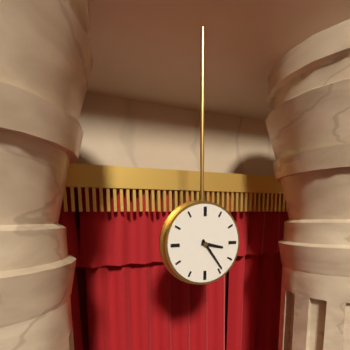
3:24
